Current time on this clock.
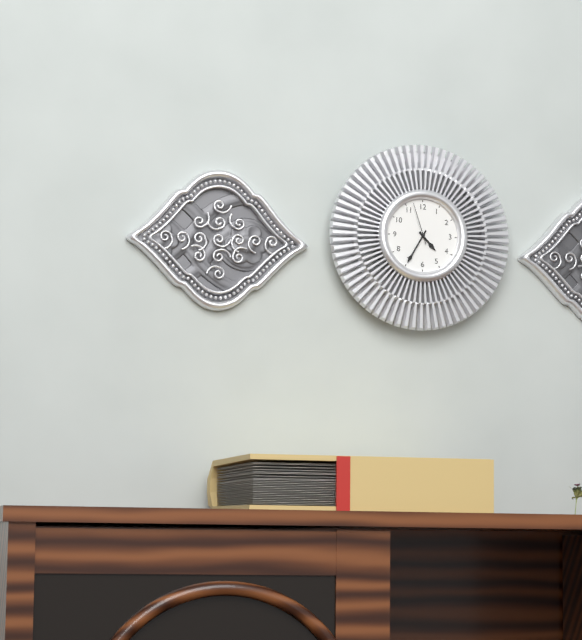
4:35
